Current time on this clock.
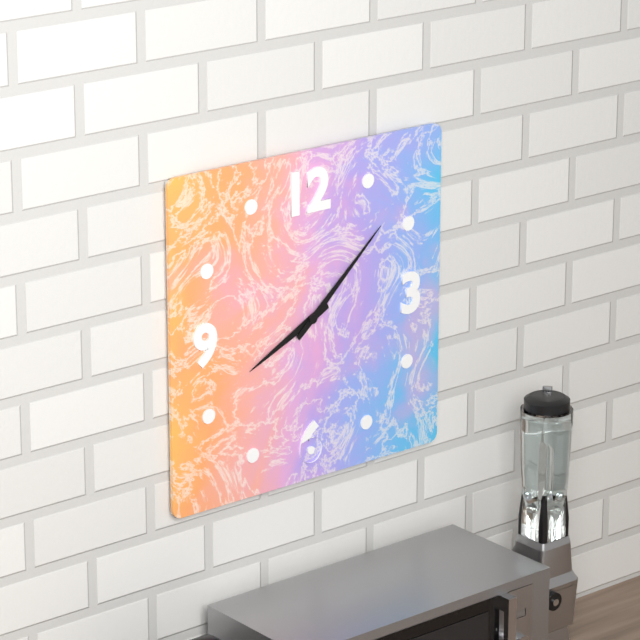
8:08
